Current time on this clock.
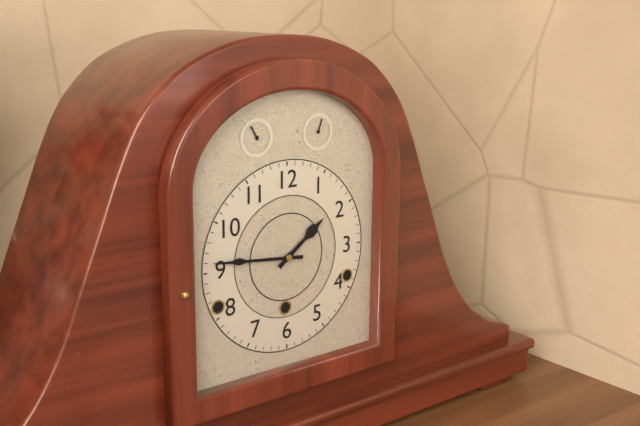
1:46
